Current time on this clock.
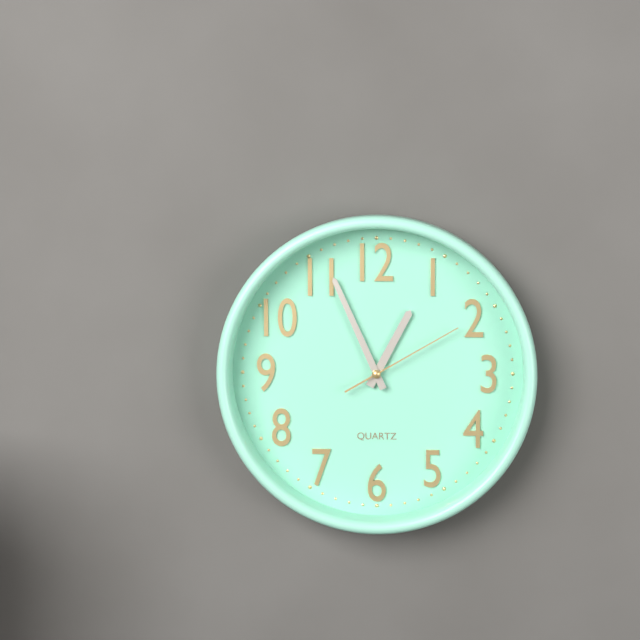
12:56:10
